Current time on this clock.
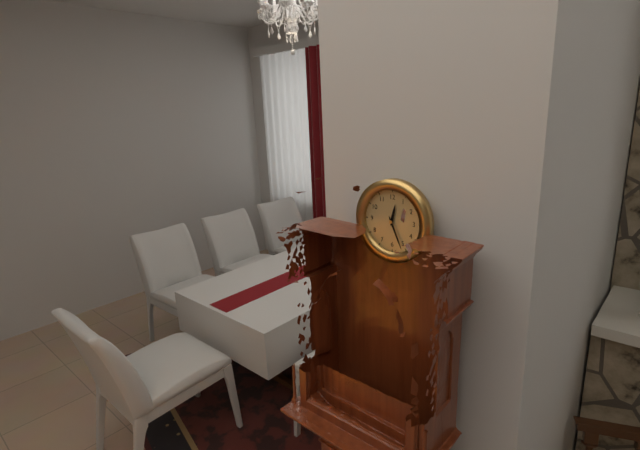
12:26
